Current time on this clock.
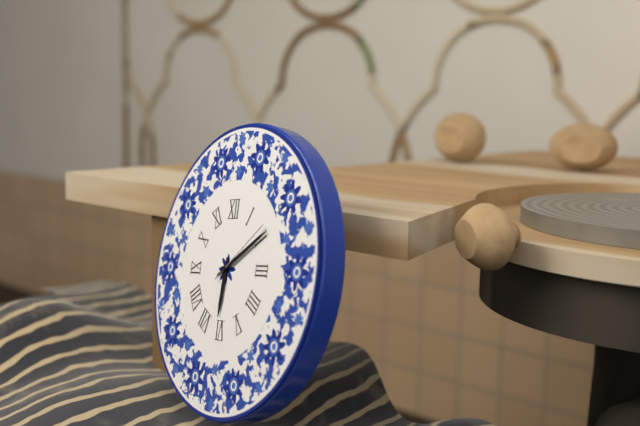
6:10:09
